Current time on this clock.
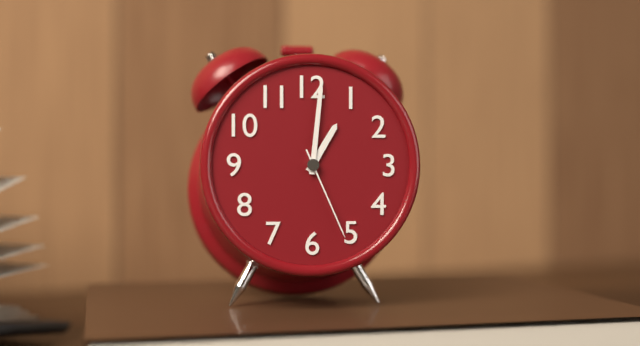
1:01:26
